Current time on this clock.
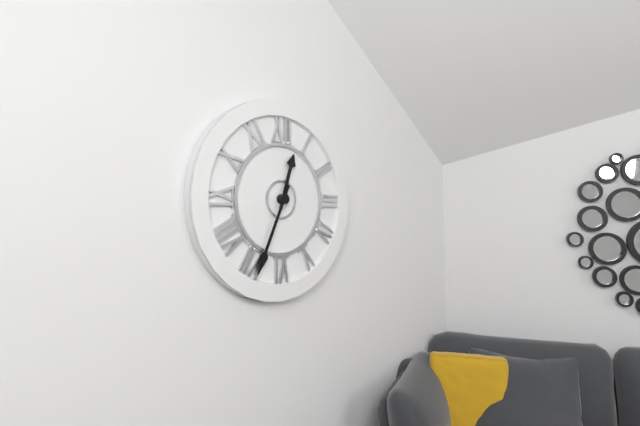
12:34
